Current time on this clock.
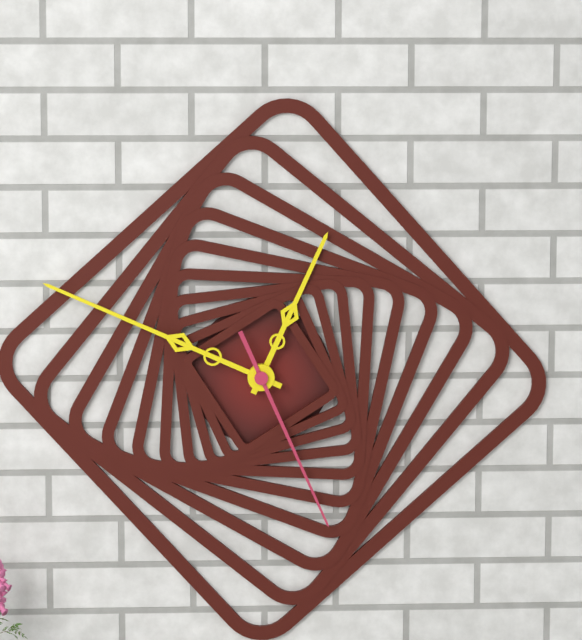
12:49:26
